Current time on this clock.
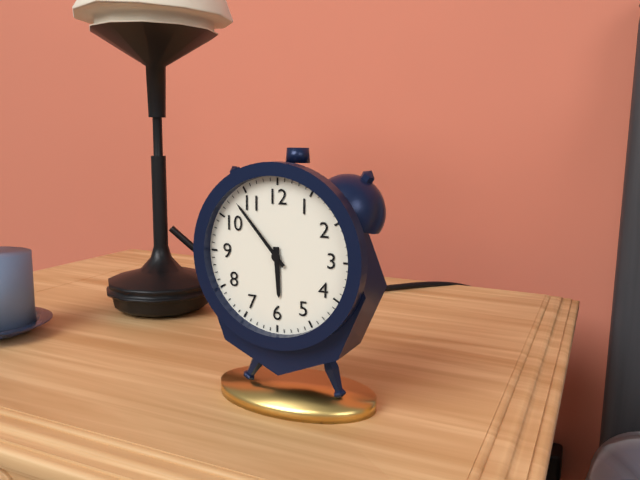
5:53
